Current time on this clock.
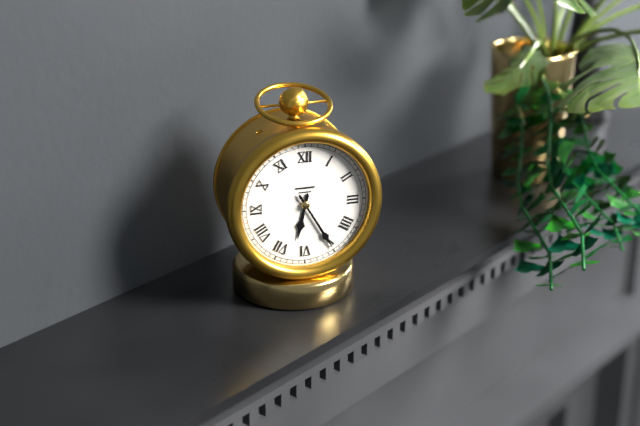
6:25
